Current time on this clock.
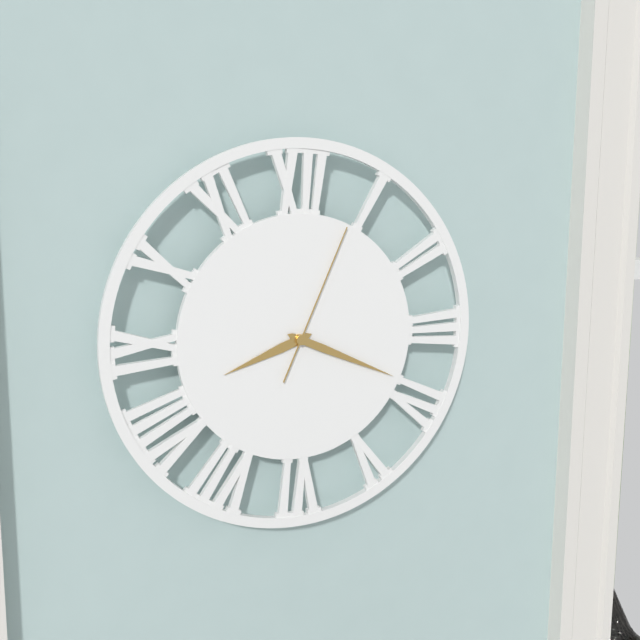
8:19:04
